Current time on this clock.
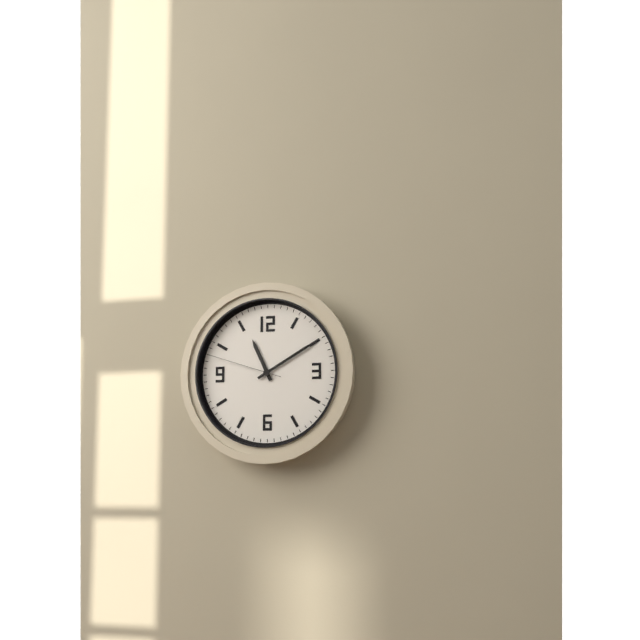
11:10:48
